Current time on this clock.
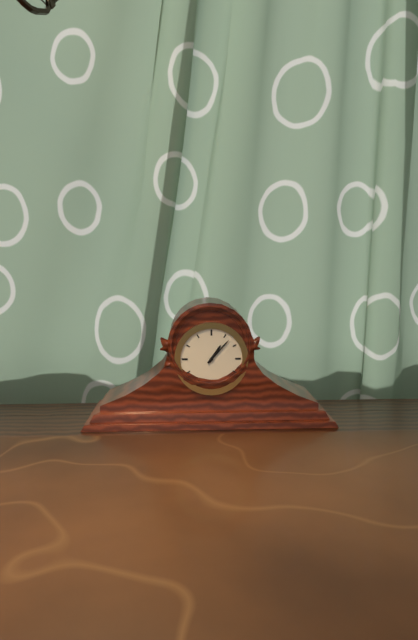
1:07
